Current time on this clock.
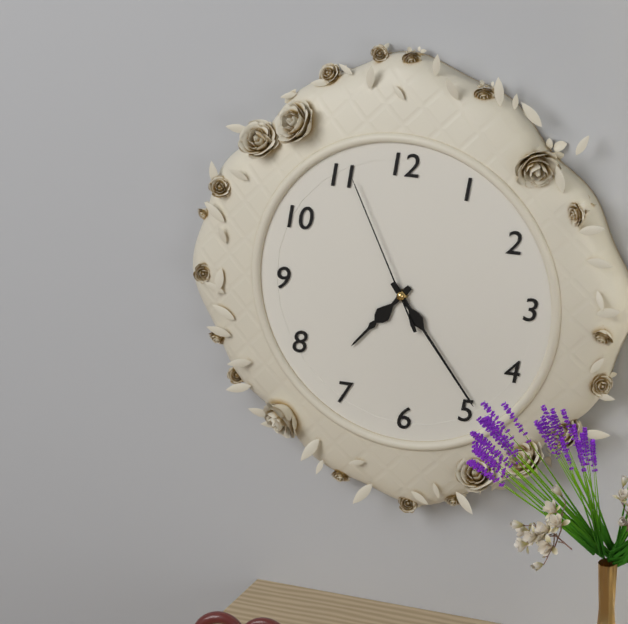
7:24:56
